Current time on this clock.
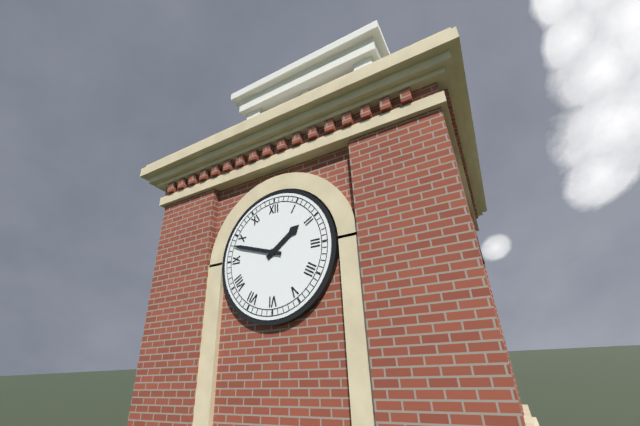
1:48
